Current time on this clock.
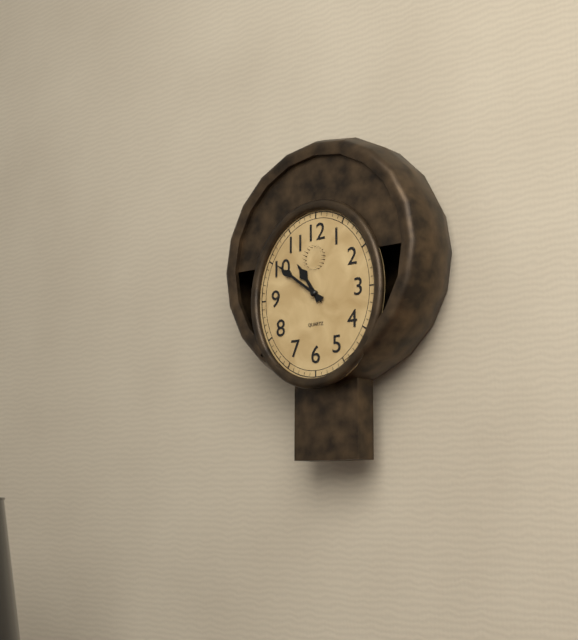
10:51
